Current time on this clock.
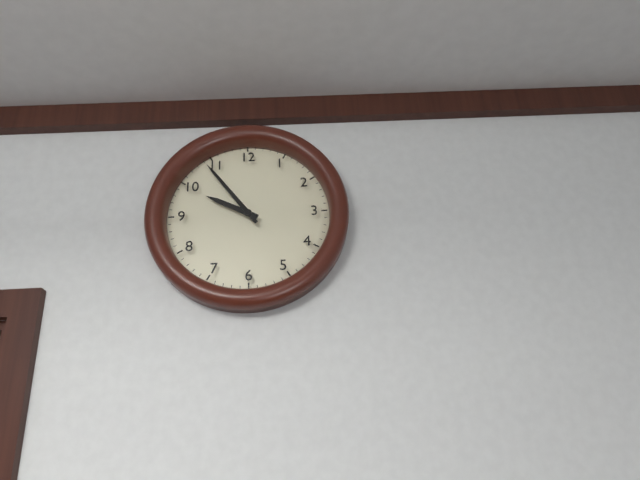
9:54
